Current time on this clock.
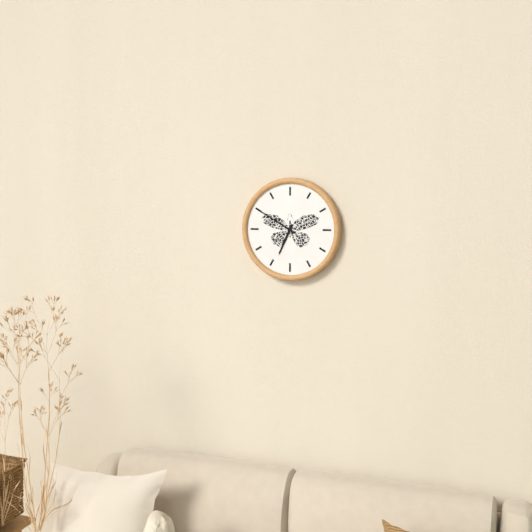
6:50
